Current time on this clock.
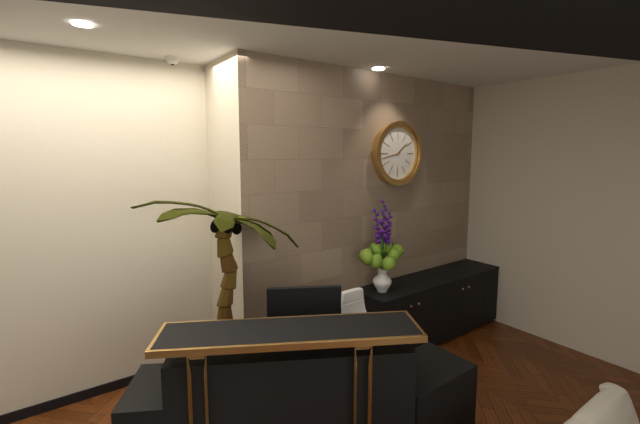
1:43
